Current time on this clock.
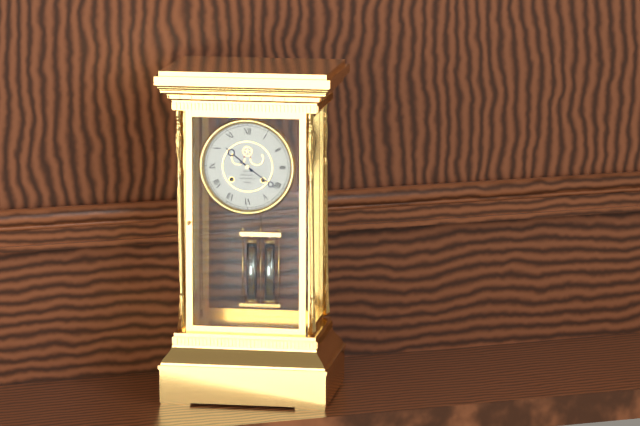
10:21
